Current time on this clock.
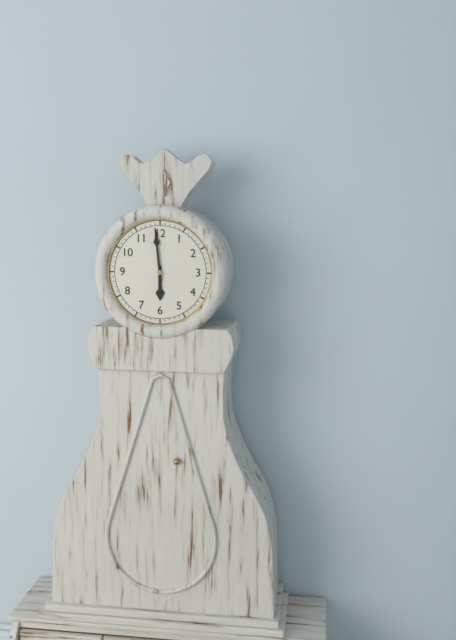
5:59
